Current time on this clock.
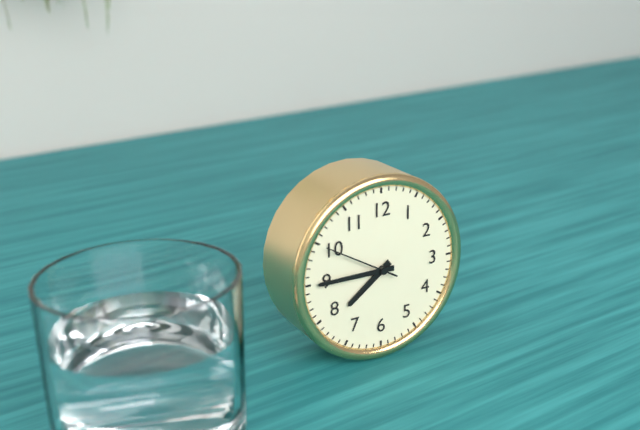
7:45:50
